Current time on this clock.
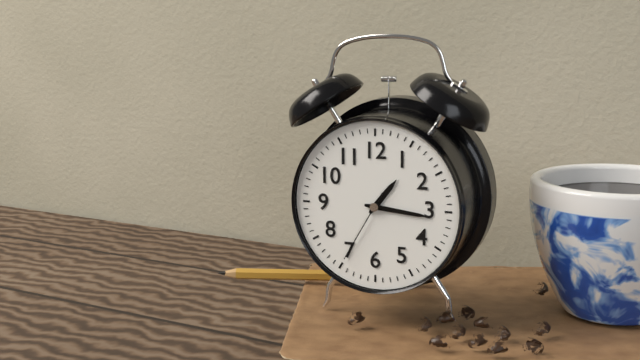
1:16:35
